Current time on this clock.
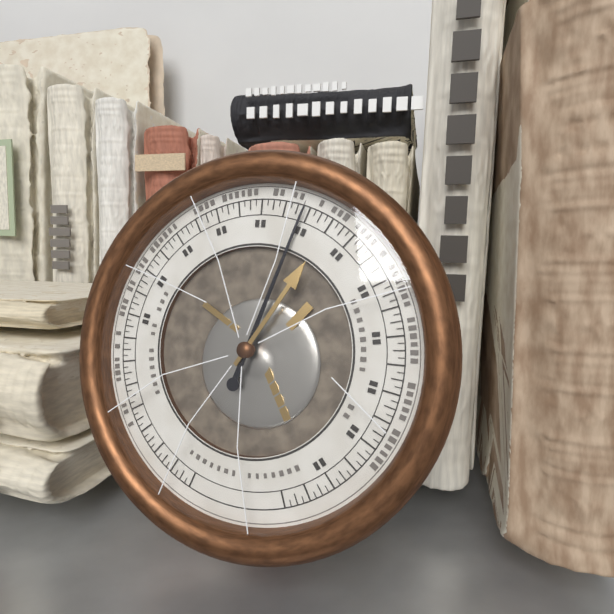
1:03
